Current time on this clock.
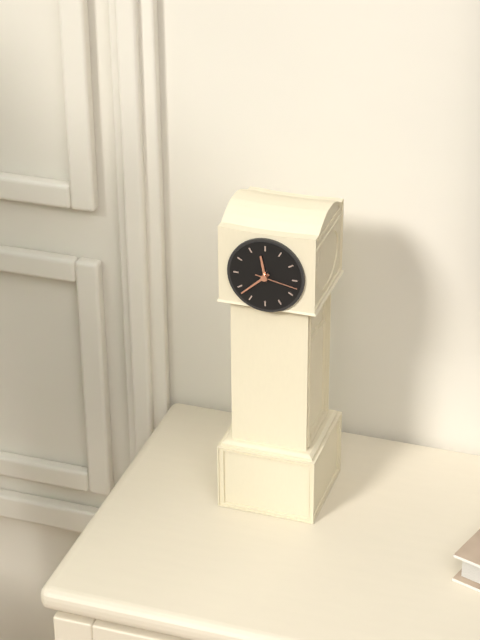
11:38
